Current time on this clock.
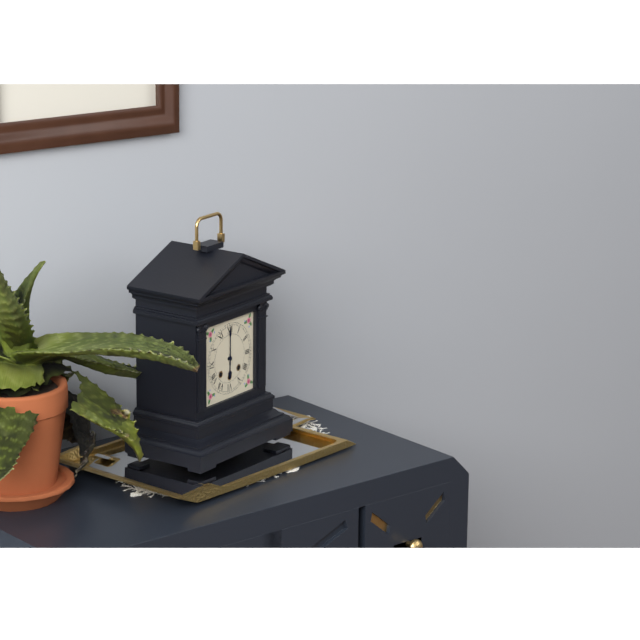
6:00
